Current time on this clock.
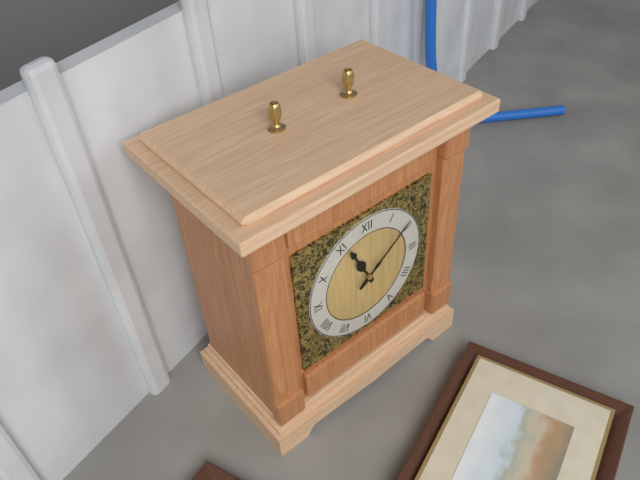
11:09
